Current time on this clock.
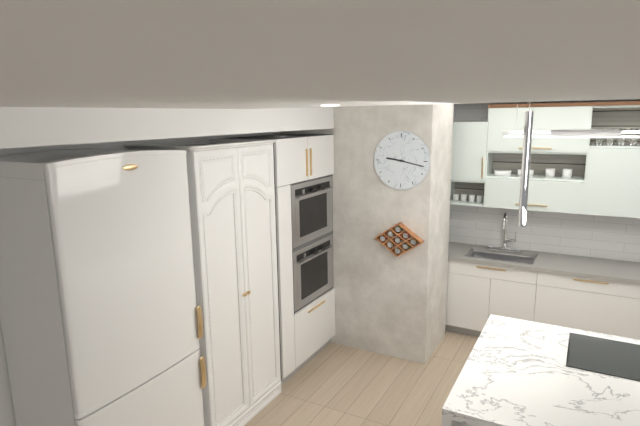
9:17
